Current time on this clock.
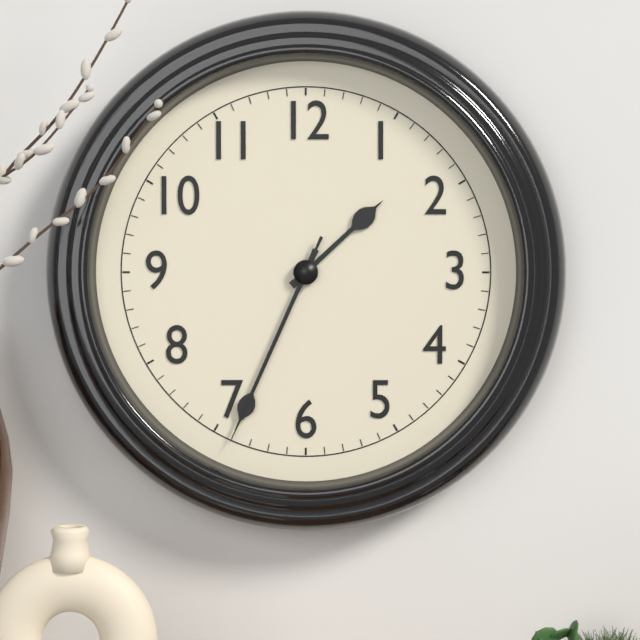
1:34:34
